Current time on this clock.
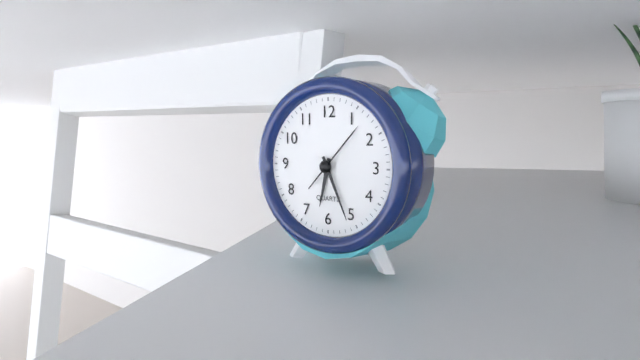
6:26:07
